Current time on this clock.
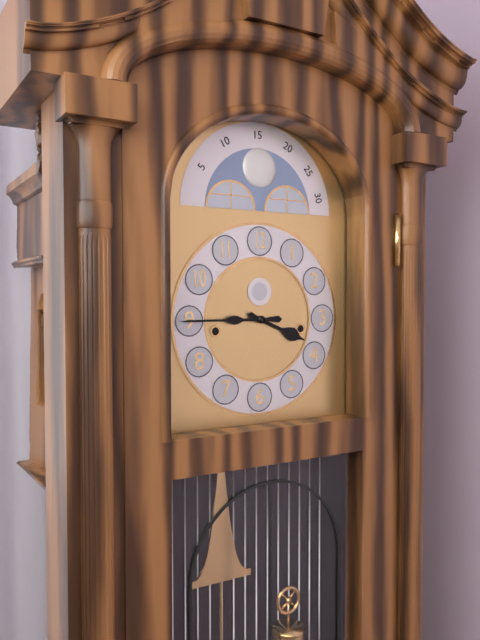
3:45
